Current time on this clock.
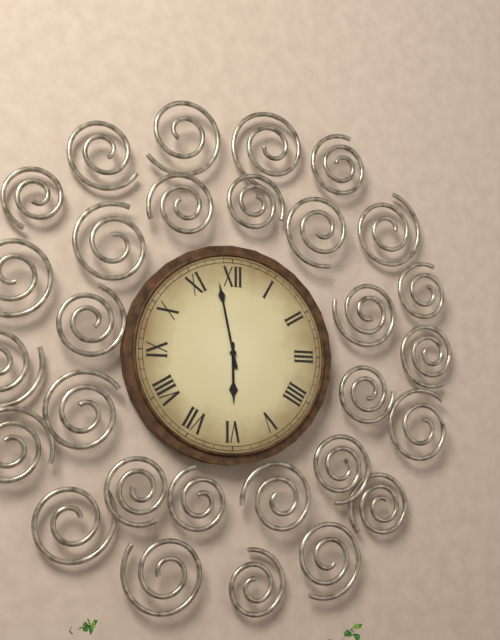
5:58
